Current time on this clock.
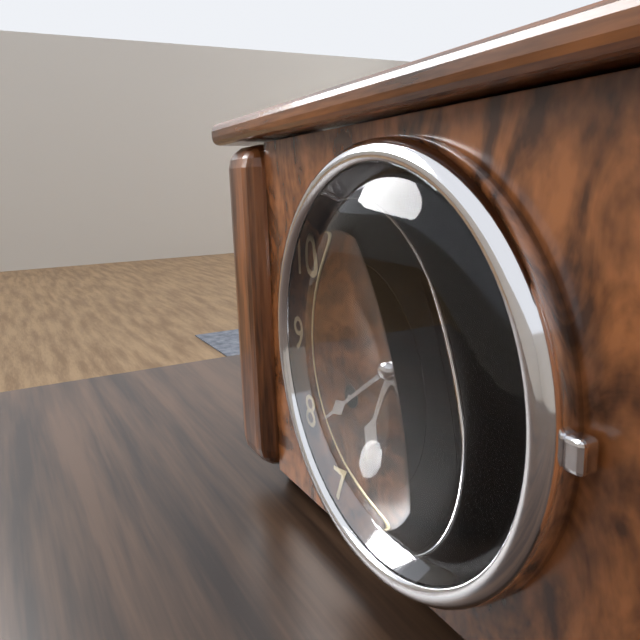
6:39
